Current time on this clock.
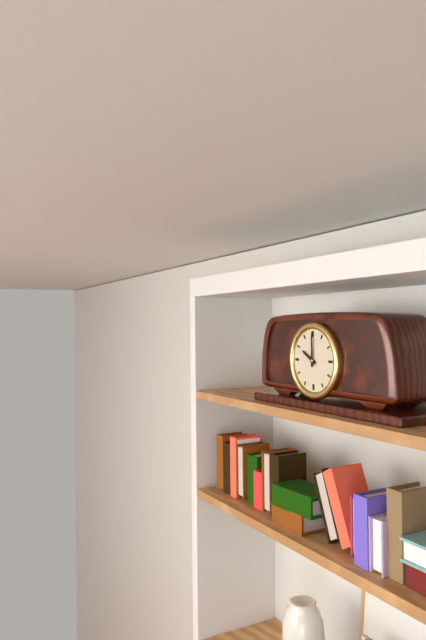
10:00
